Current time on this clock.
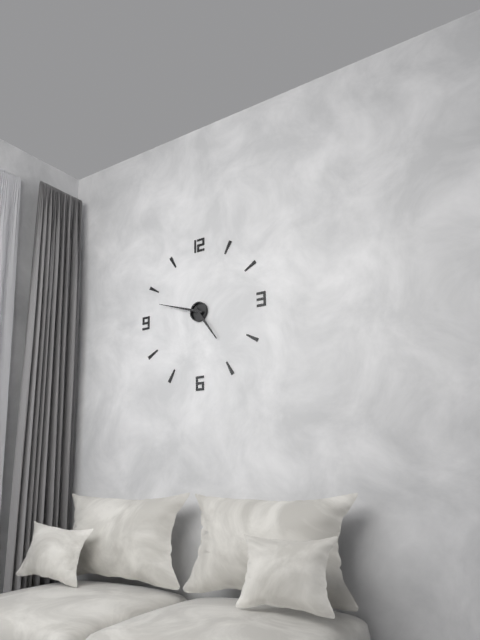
4:48
